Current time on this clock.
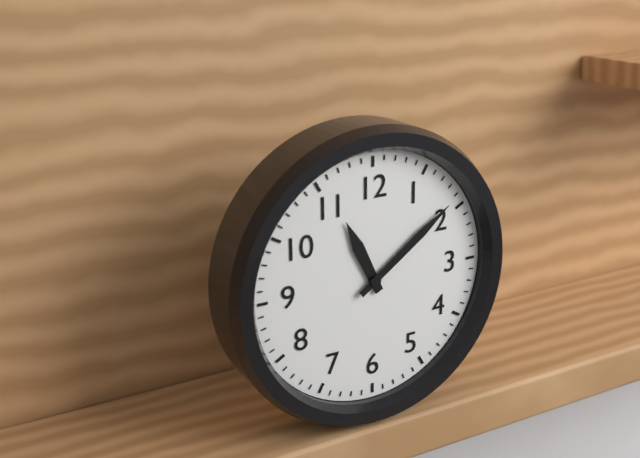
11:09
